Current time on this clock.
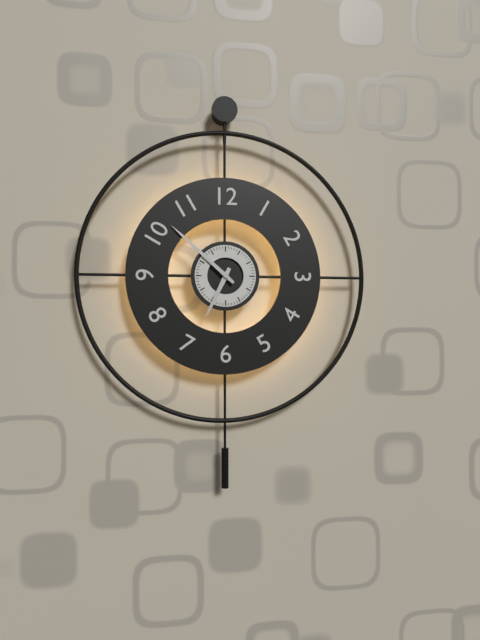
6:52
